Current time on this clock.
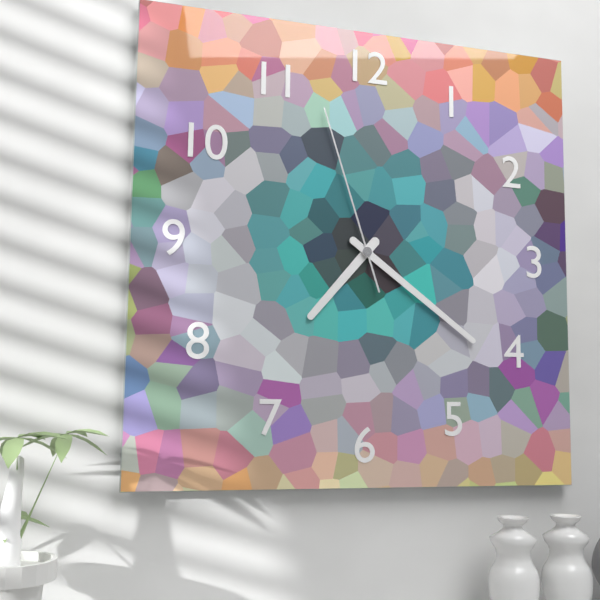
7:21:57
